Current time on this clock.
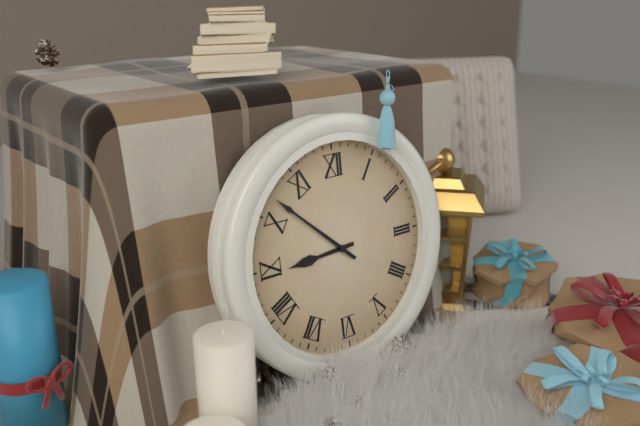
8:52
